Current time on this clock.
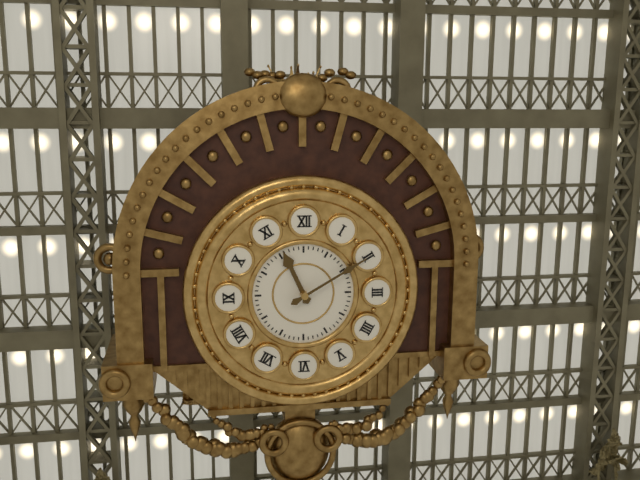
11:10
